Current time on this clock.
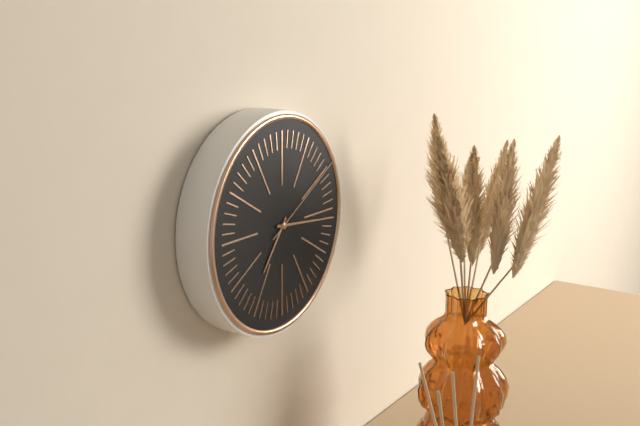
7:16:10
